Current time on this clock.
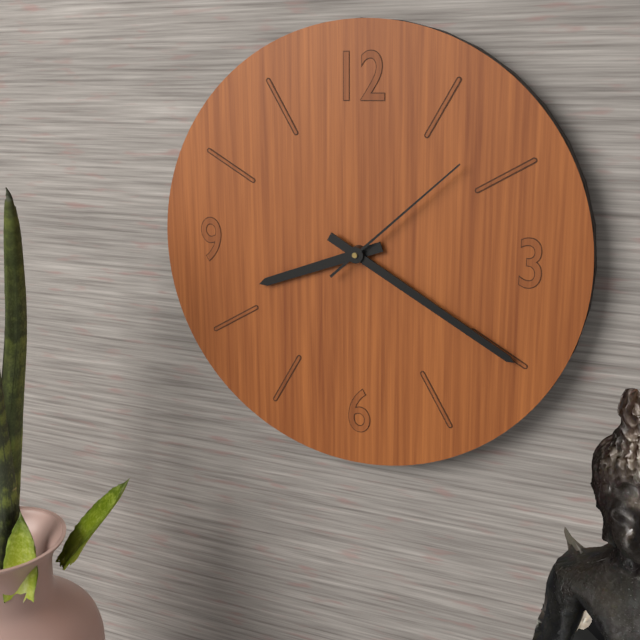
8:20:08
